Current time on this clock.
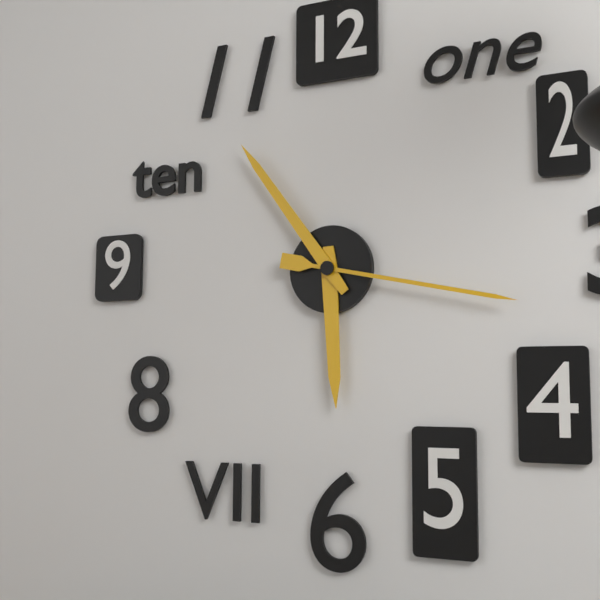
5:54:17
